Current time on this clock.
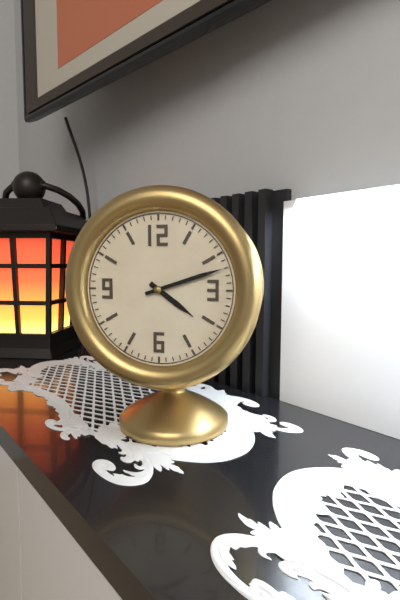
4:12
